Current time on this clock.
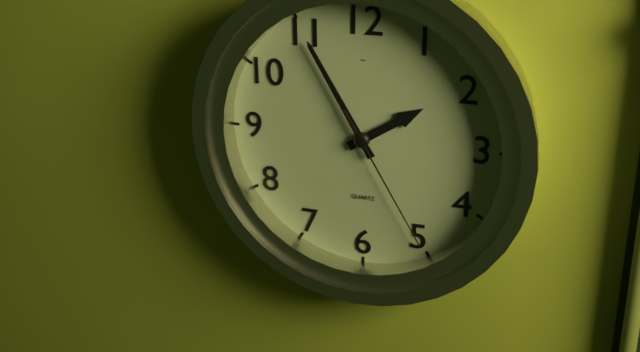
1:55:25
